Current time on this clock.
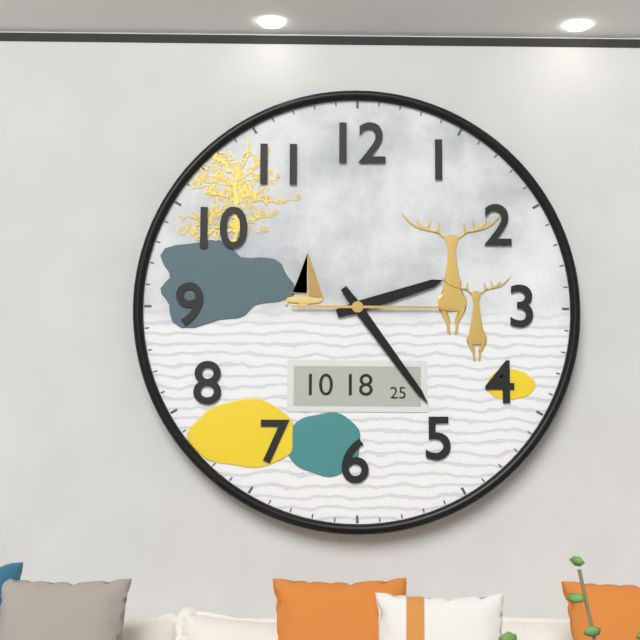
2:24:15
